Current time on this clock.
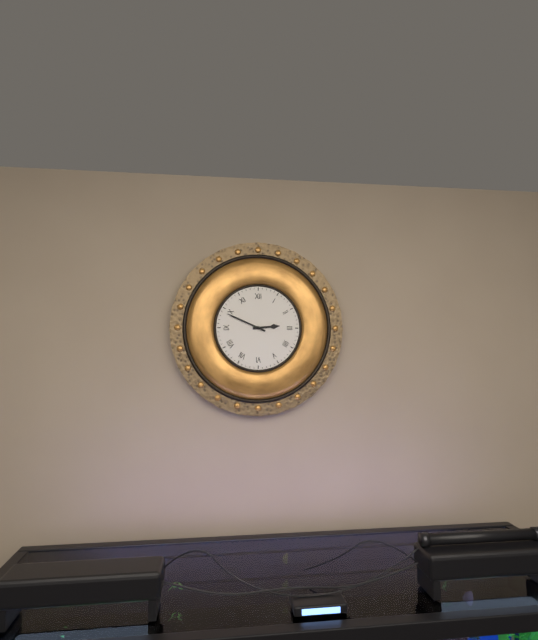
2:49
